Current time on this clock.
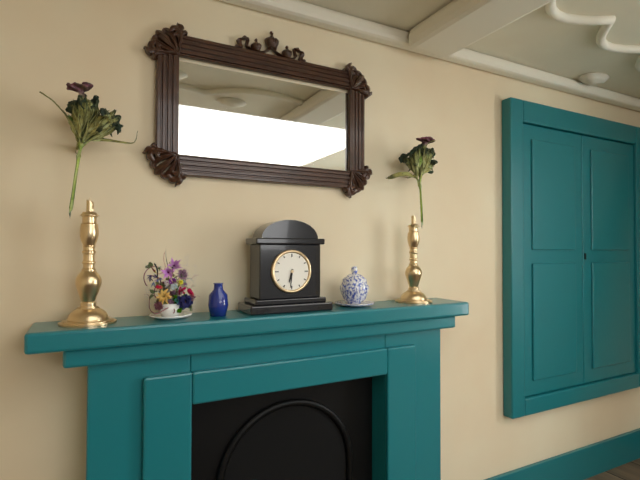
6:31
